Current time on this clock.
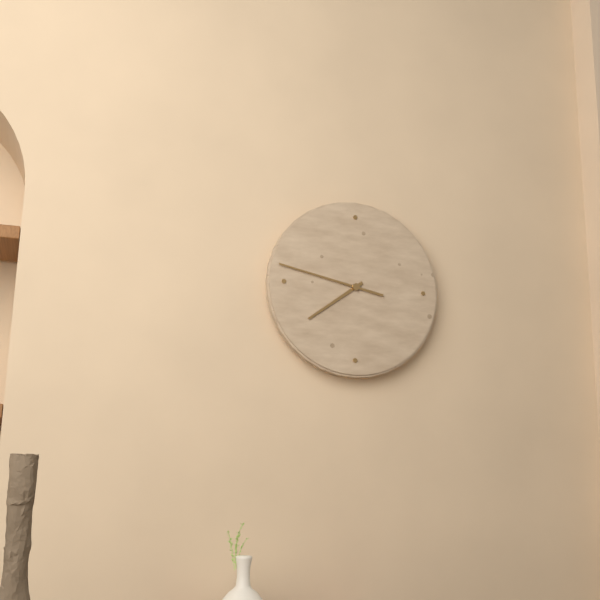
7:47
